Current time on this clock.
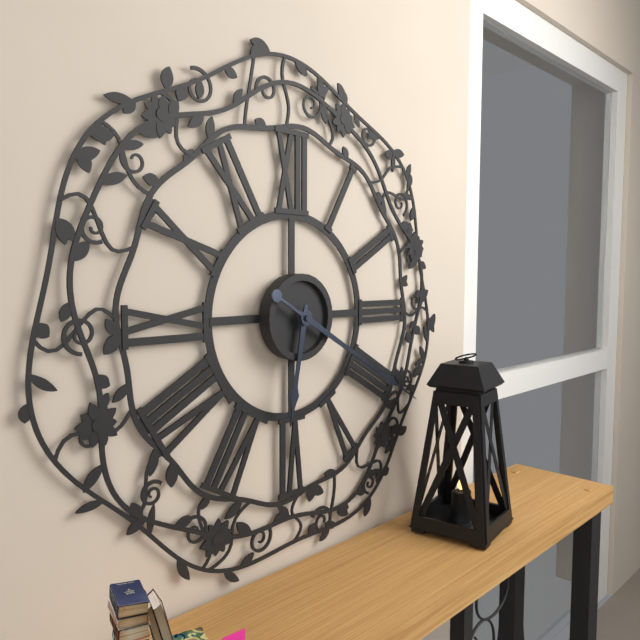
6:20
